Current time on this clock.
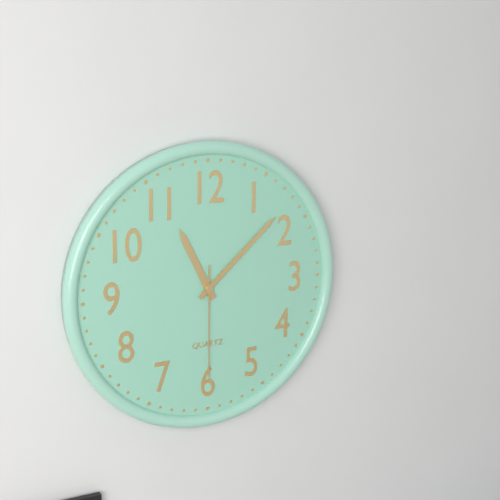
11:08:30
